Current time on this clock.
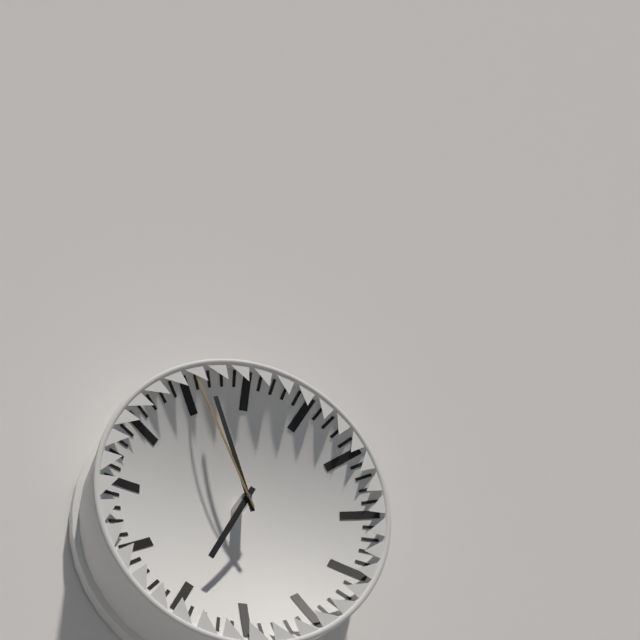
6:57:56
